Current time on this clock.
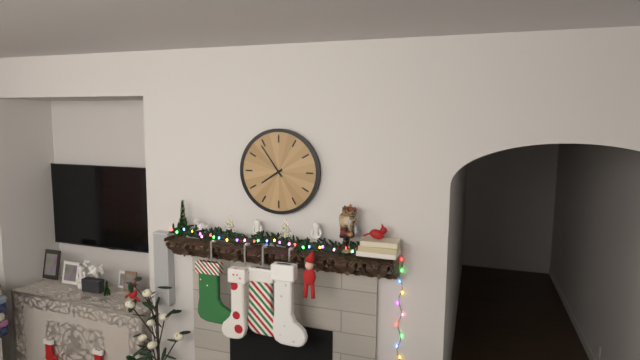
7:54
